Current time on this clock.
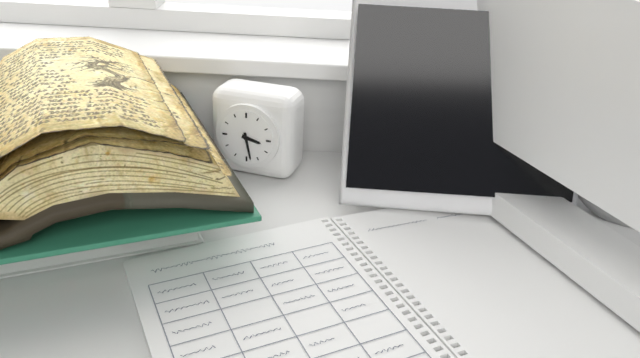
3:28
